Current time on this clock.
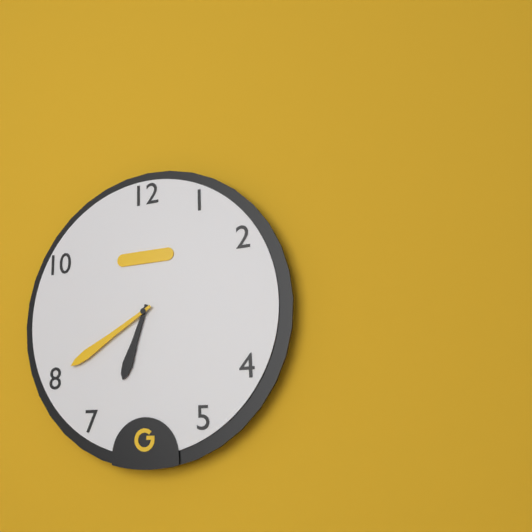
6:40
